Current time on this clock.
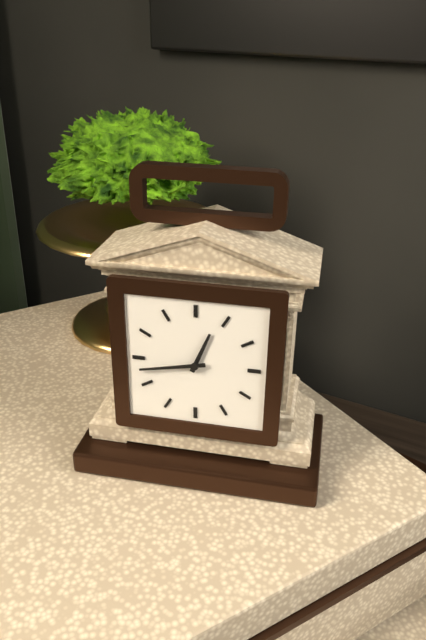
12:43
